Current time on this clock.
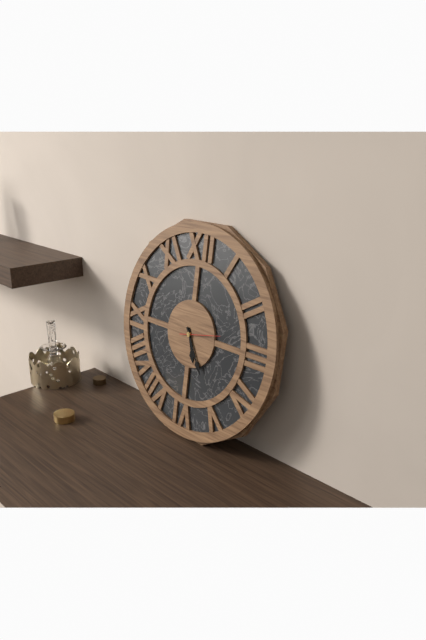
5:25
